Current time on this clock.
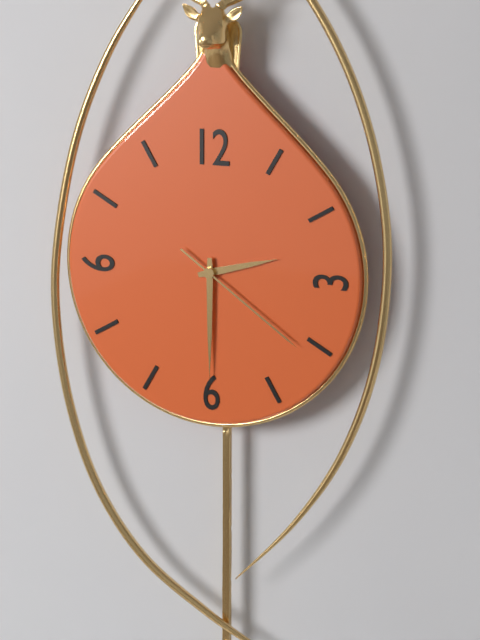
2:30:21
